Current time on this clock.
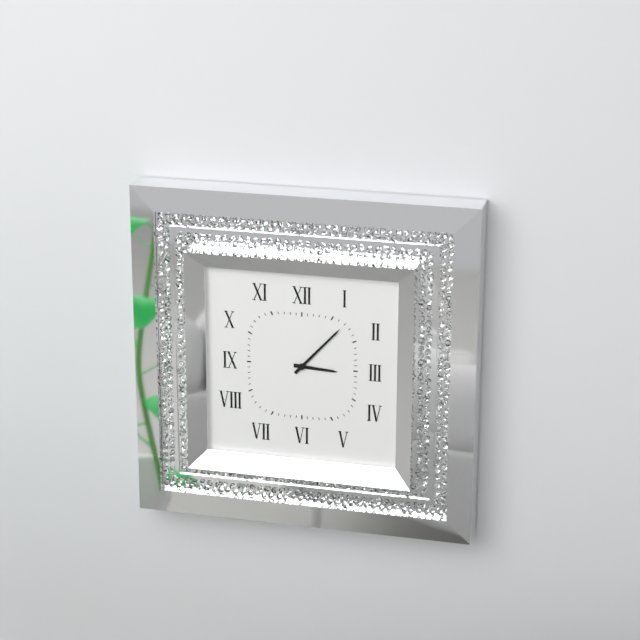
3:07
